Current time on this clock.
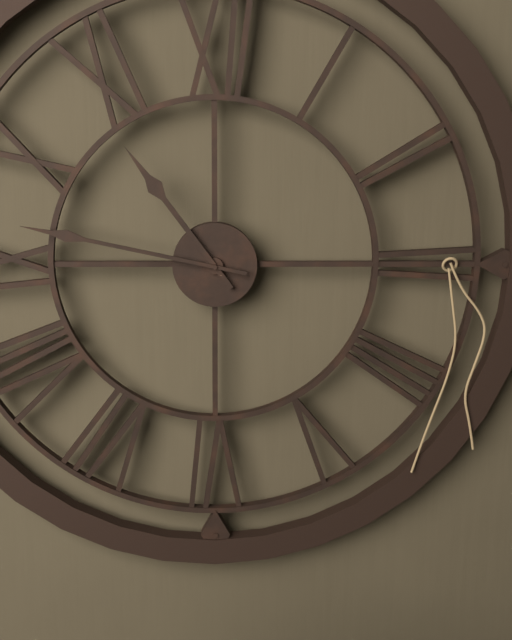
10:47
